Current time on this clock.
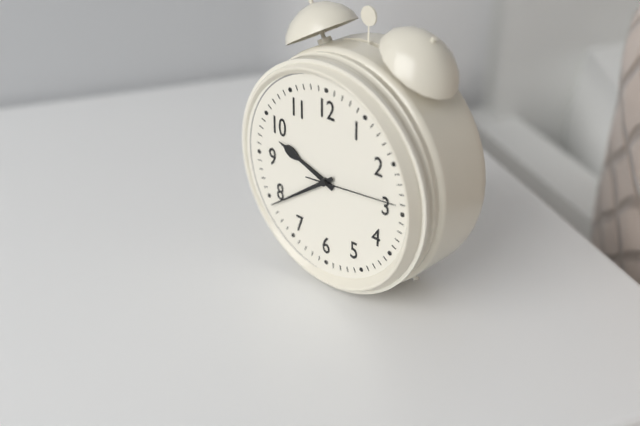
9:39:14
